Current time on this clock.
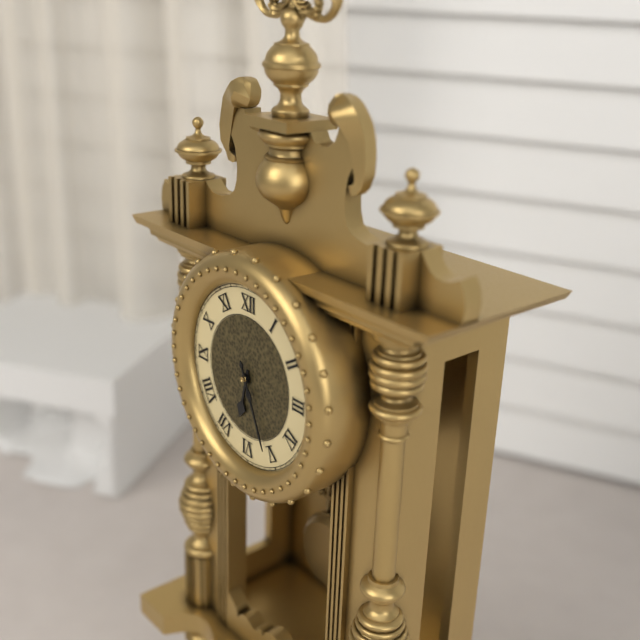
6:26
